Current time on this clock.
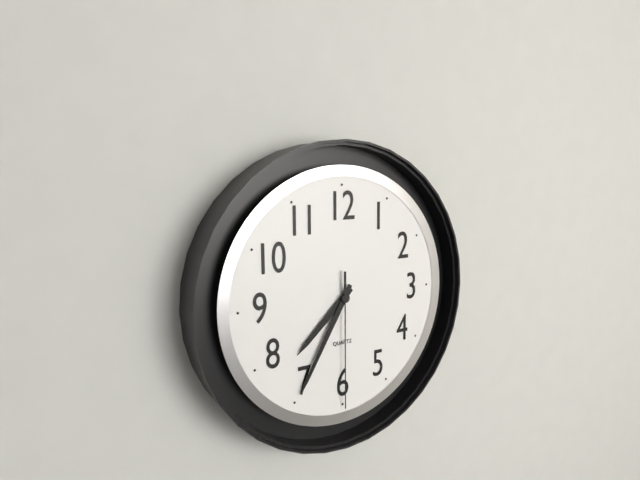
7:35:30
